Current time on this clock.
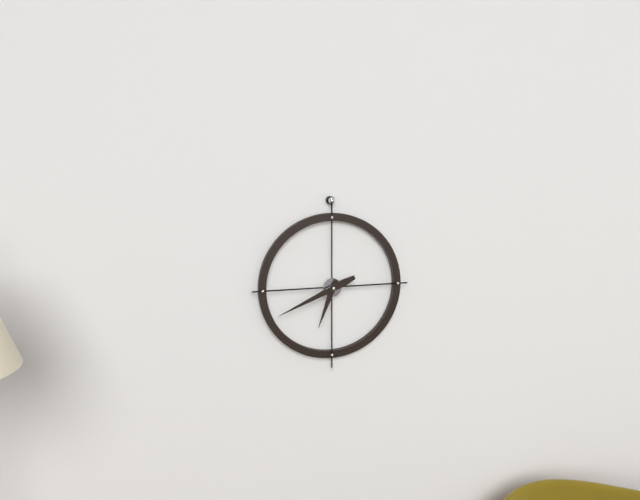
6:41
